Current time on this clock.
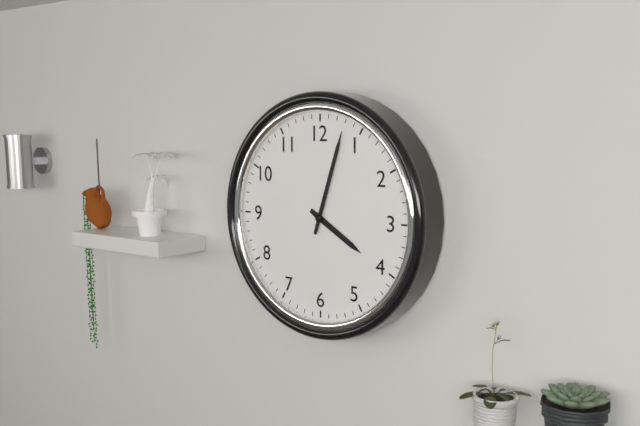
4:03
